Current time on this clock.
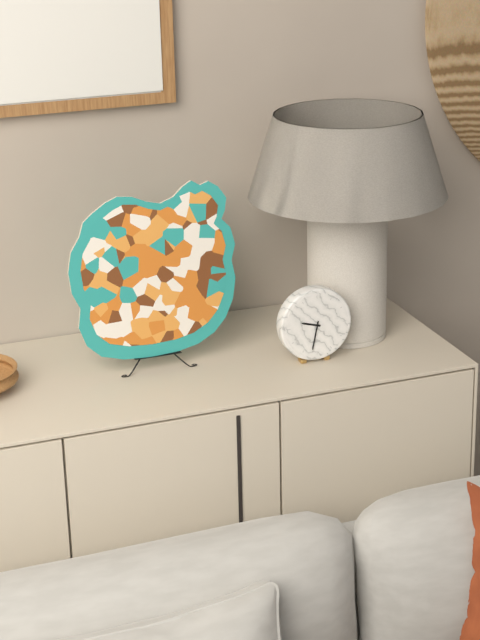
9:32
